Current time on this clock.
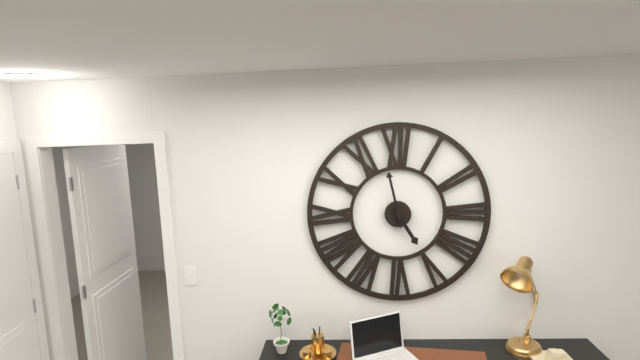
4:58
